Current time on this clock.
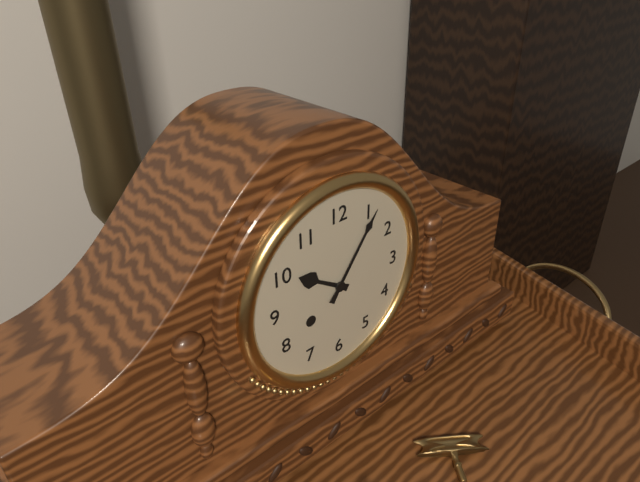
10:06
